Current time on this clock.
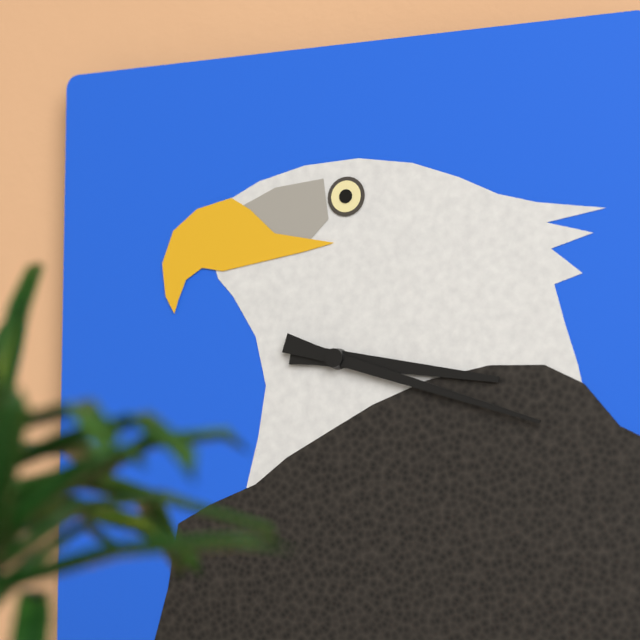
3:18
